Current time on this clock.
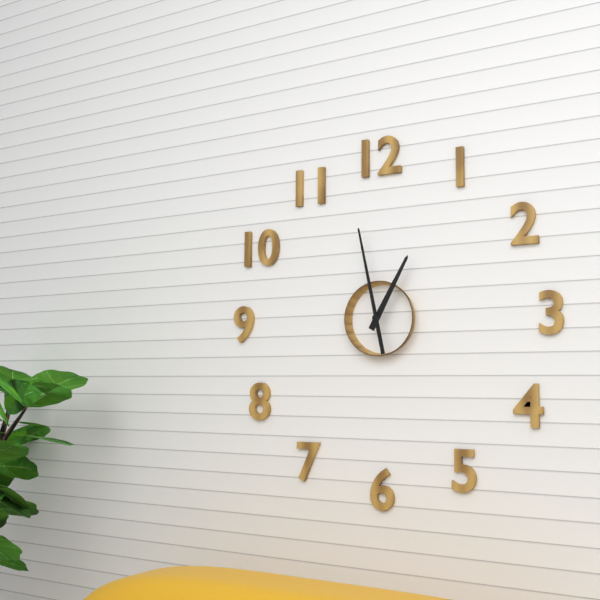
12:58
